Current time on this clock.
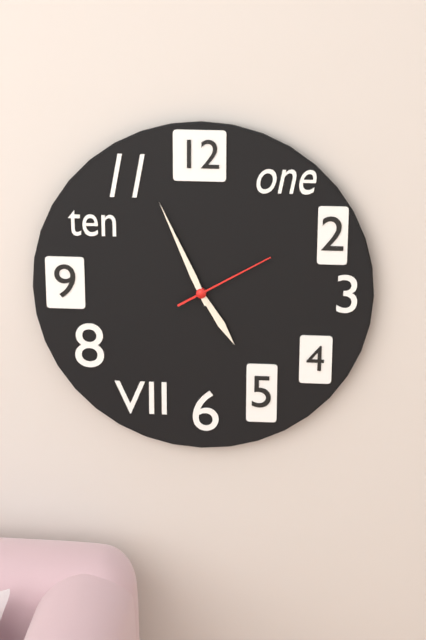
4:56:10
